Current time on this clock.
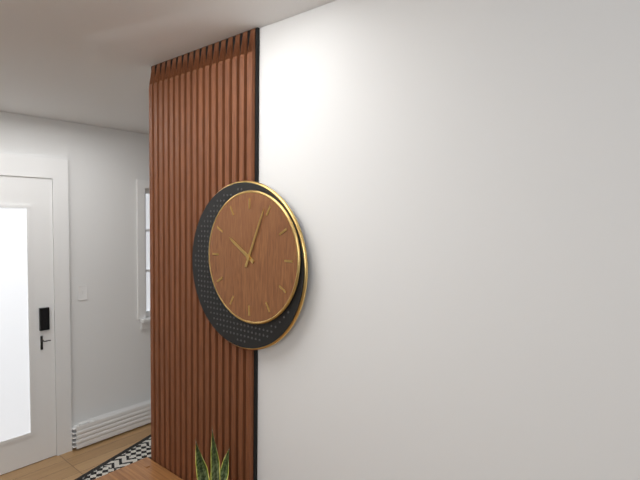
10:04
